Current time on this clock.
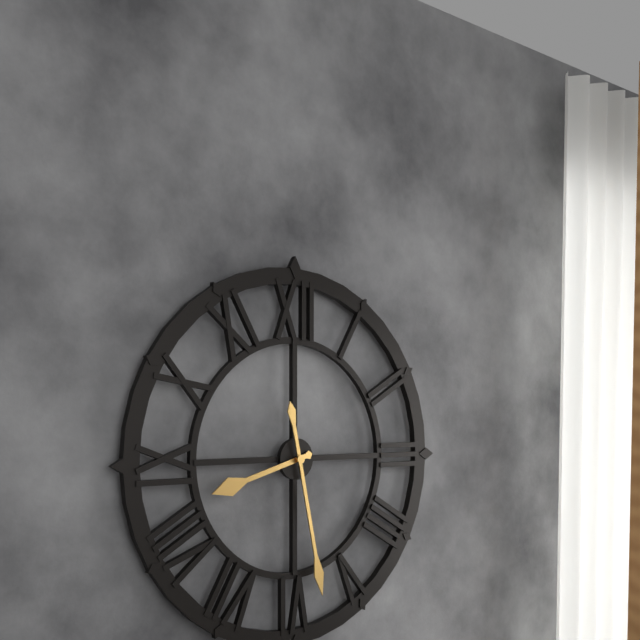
8:28
